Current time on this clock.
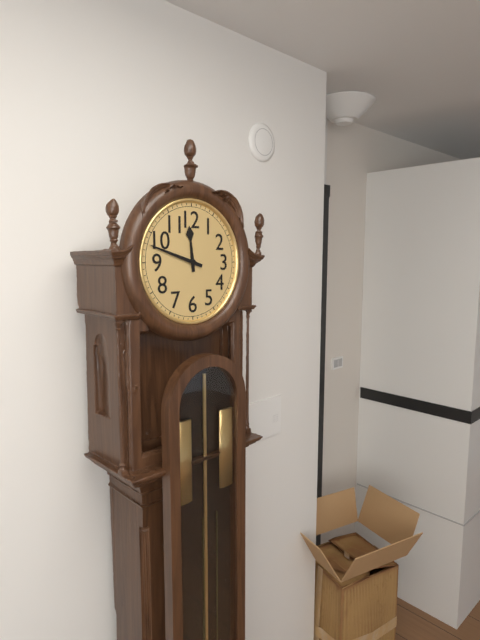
11:48
